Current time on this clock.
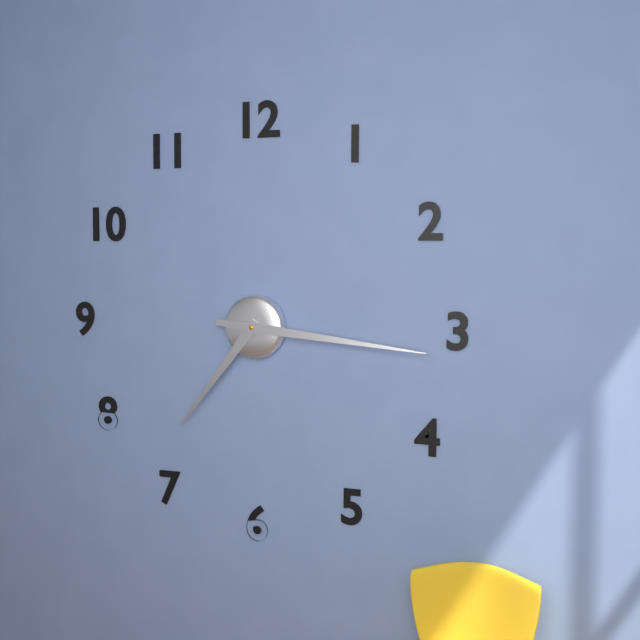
7:16
